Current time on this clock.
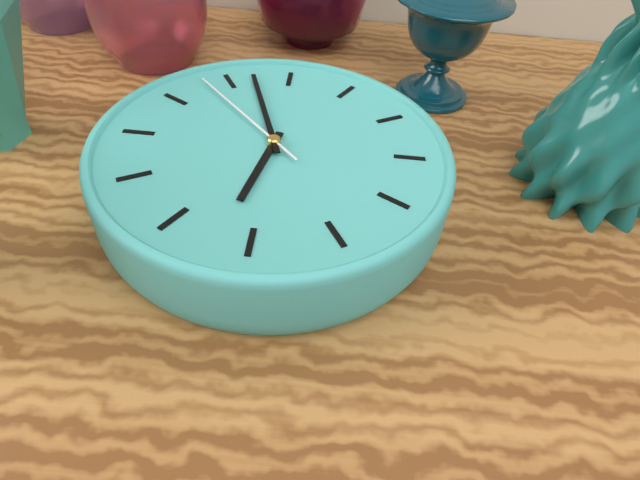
11:22:18
